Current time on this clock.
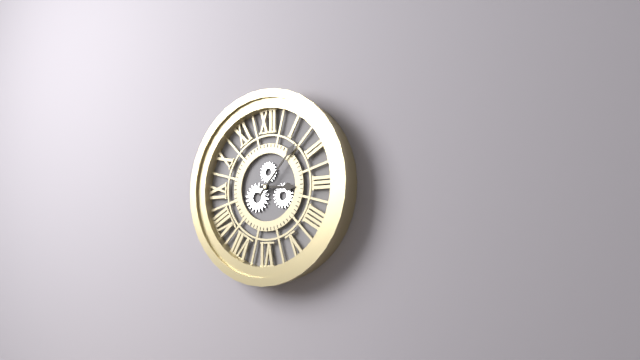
3:07
